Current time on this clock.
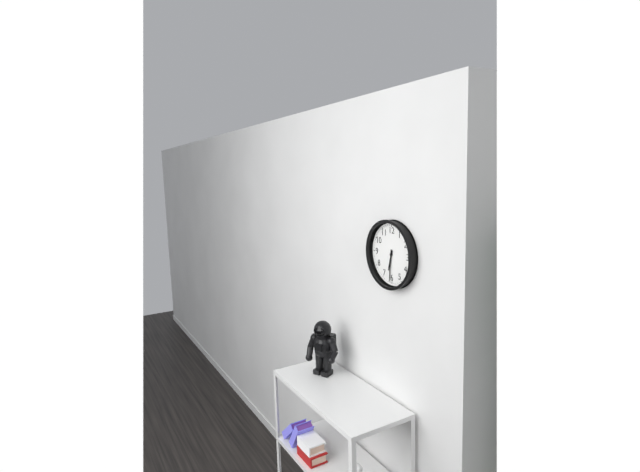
6:31
